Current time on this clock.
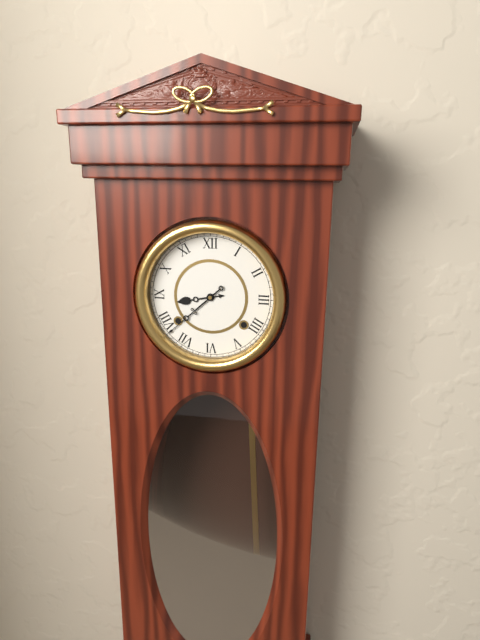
8:38
